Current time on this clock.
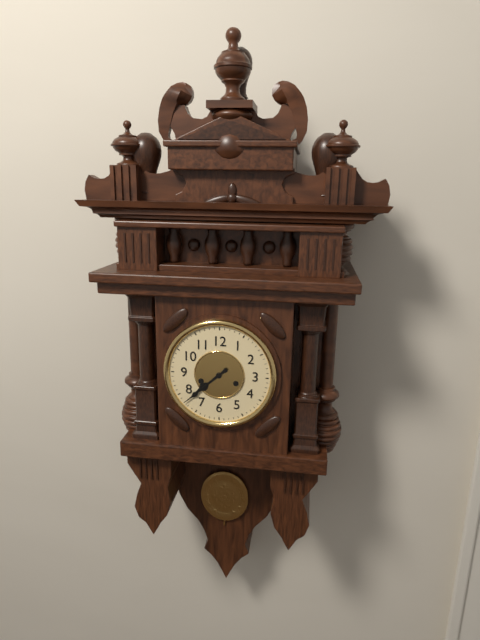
7:38
